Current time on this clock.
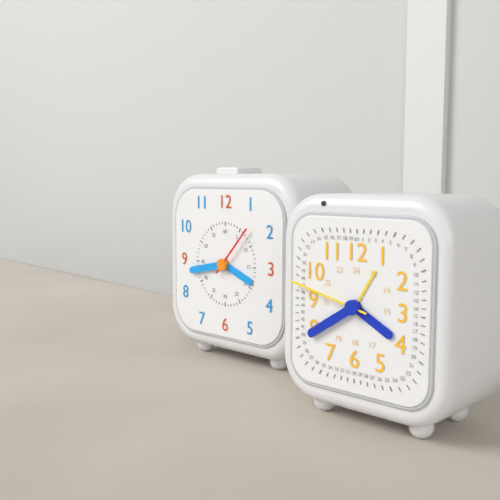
3:43:07
